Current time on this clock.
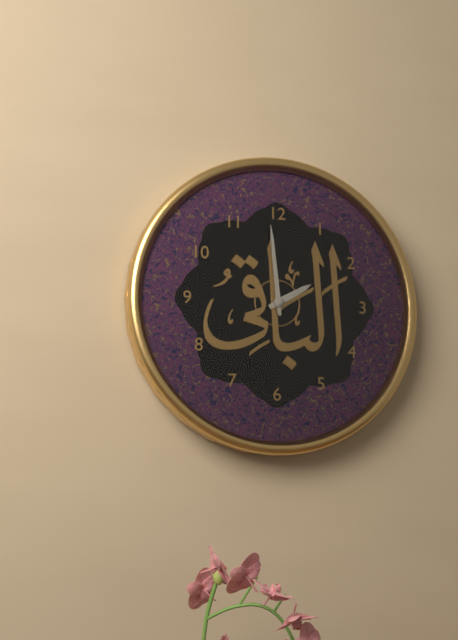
1:59
